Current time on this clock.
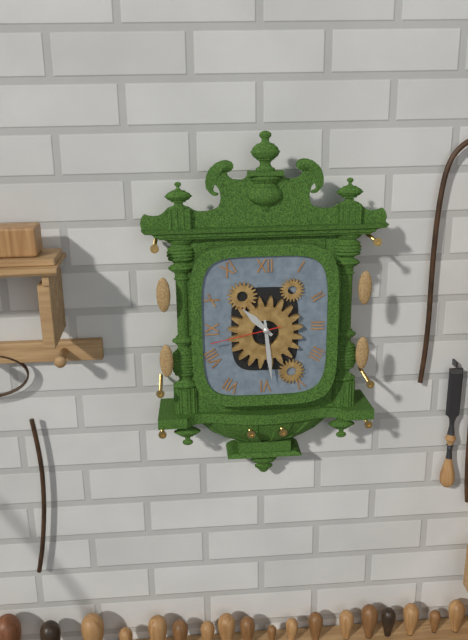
10:29:43
